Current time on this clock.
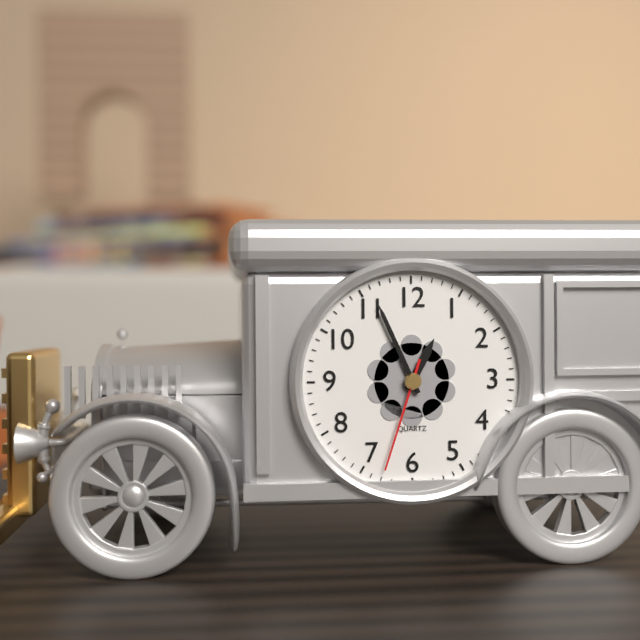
12:56:33
